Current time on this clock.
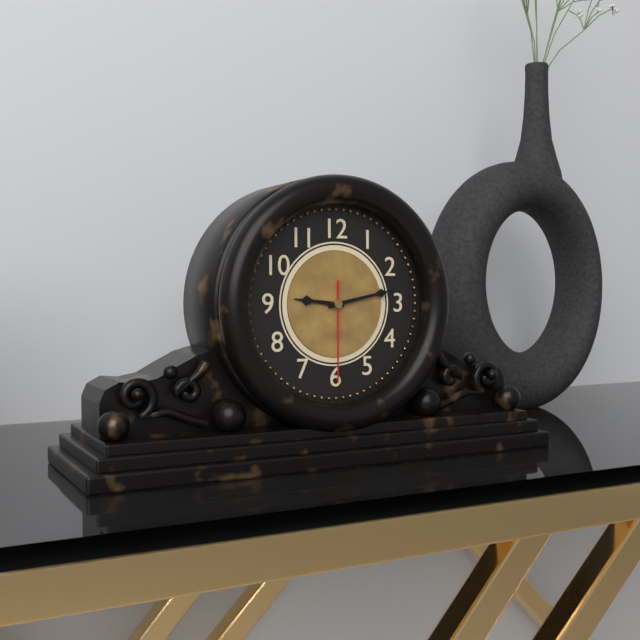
9:13:30
